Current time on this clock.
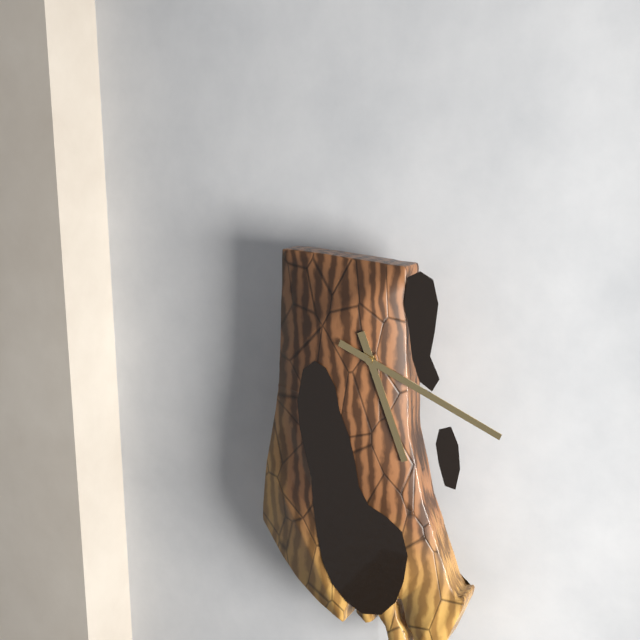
5:19
